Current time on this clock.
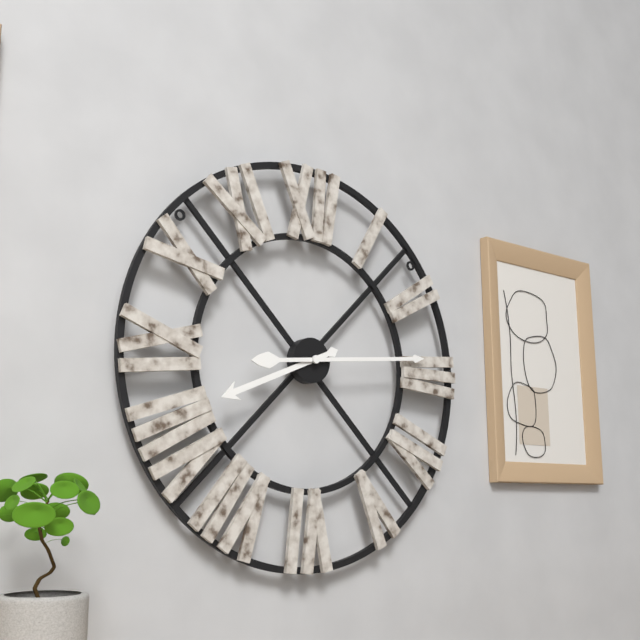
8:14
